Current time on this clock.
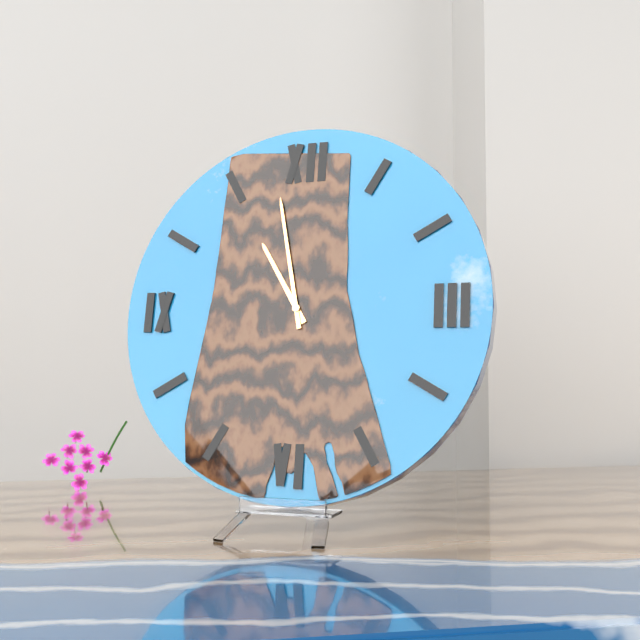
10:58
